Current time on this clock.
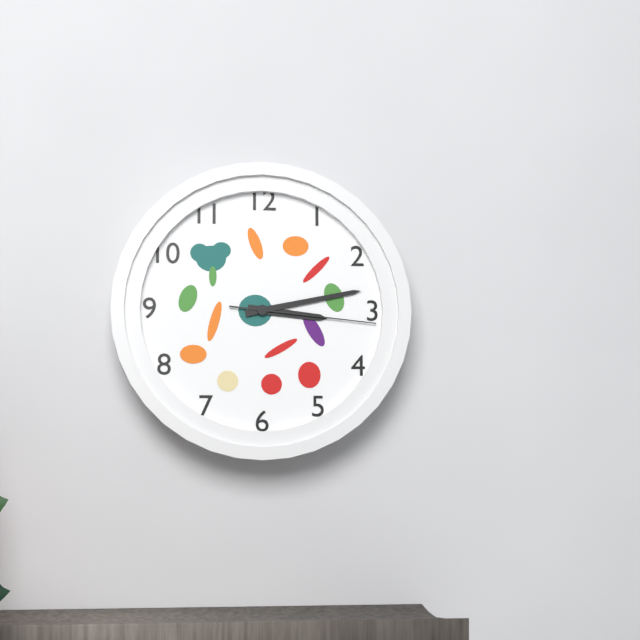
3:13:16
